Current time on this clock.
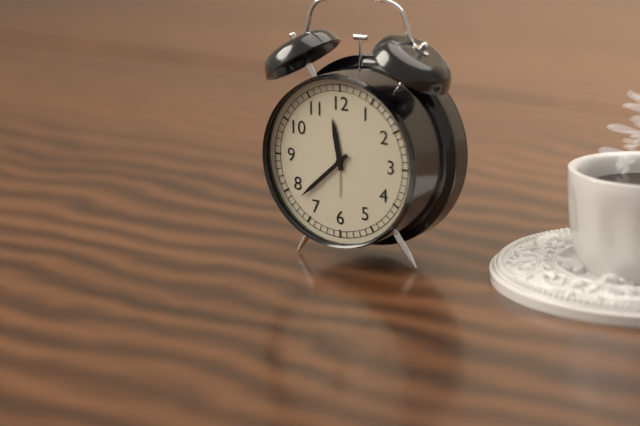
11:38
